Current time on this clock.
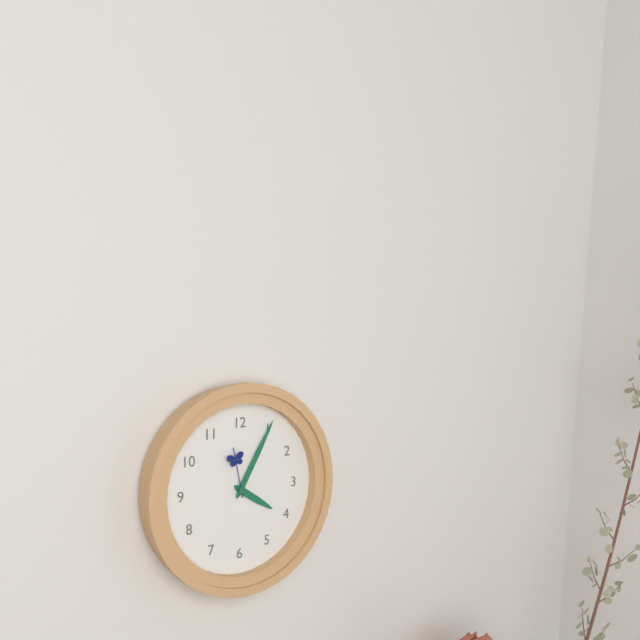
4:05:58
